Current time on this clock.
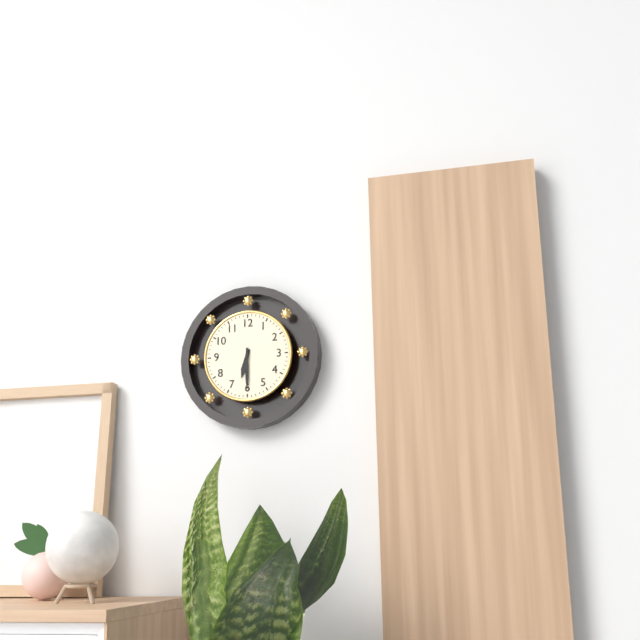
6:30
